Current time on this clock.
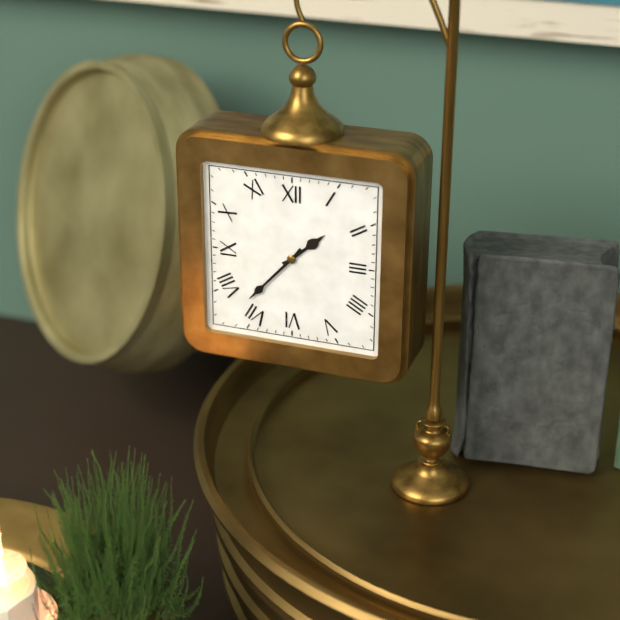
1:37
